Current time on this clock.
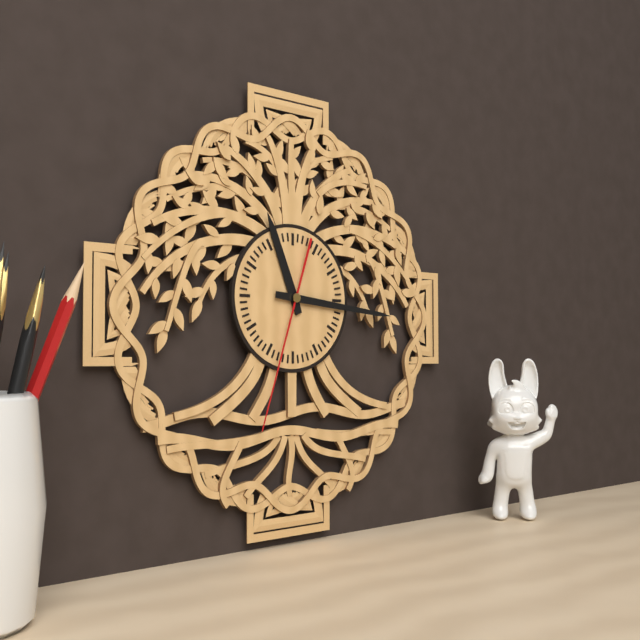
11:16:33
